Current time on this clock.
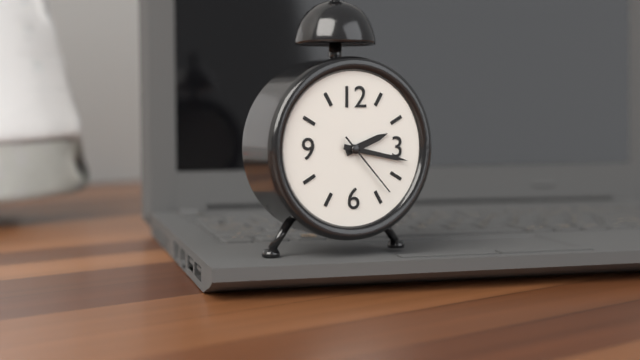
2:17:23
